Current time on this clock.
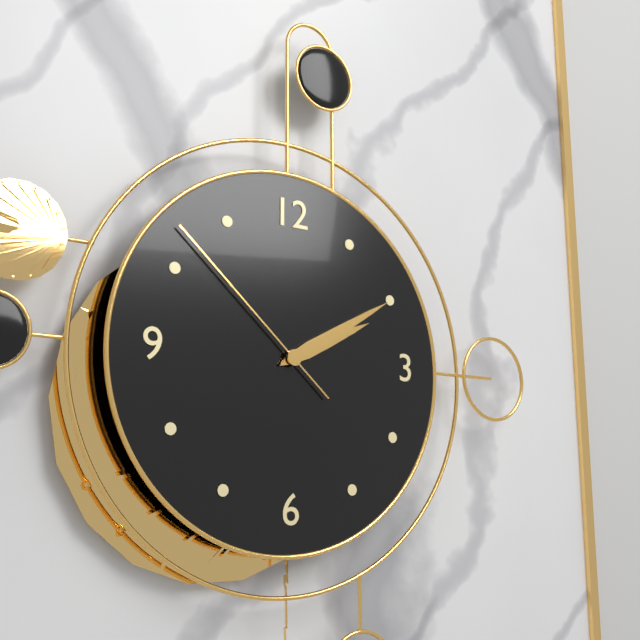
2:10:52
